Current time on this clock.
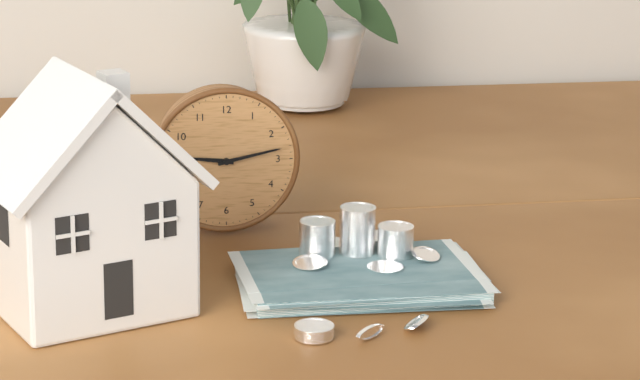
9:13
